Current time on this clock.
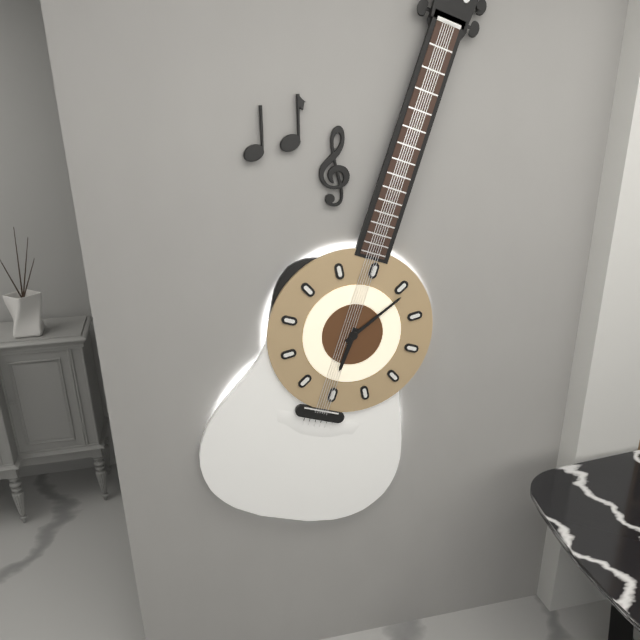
6:06
